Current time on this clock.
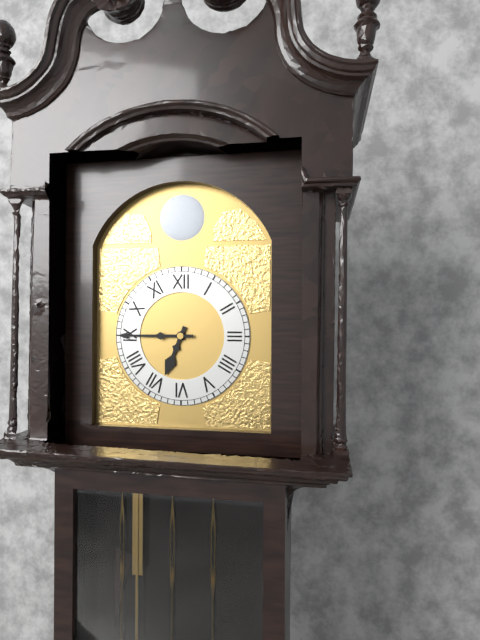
6:45
